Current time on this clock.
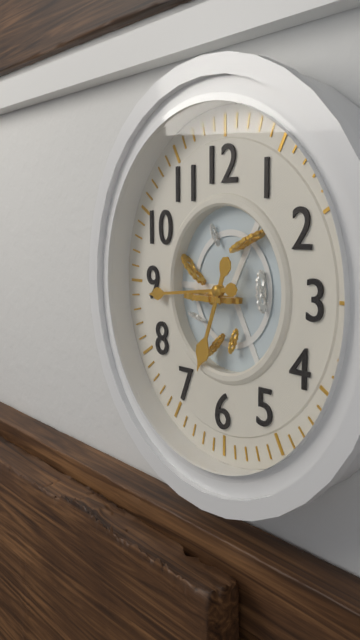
6:44
